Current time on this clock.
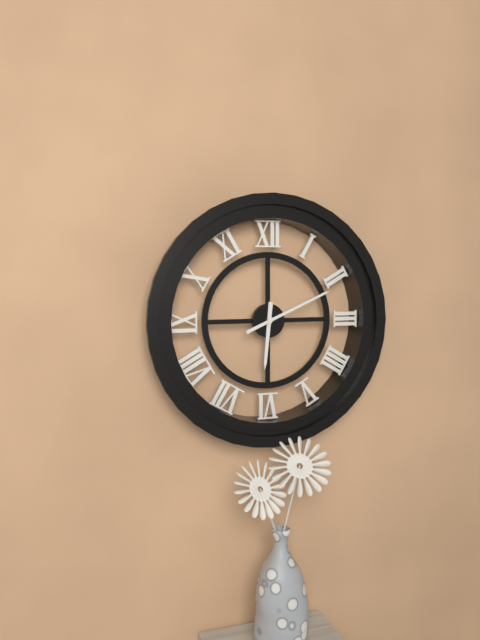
6:11
